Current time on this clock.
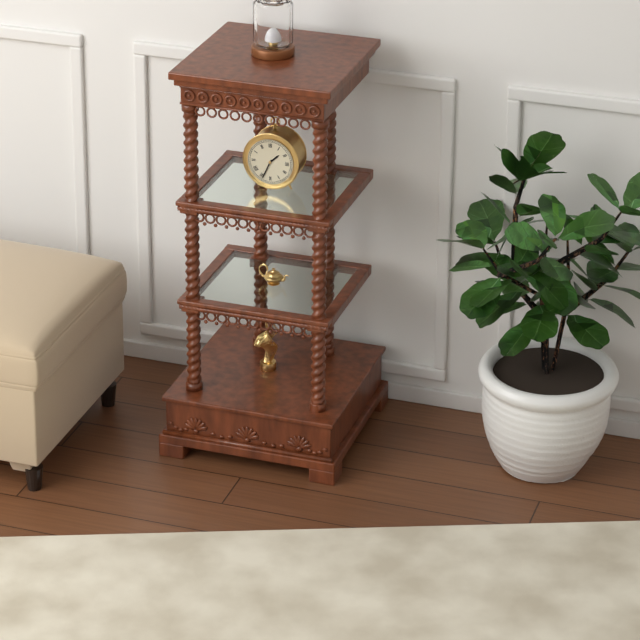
1:34
